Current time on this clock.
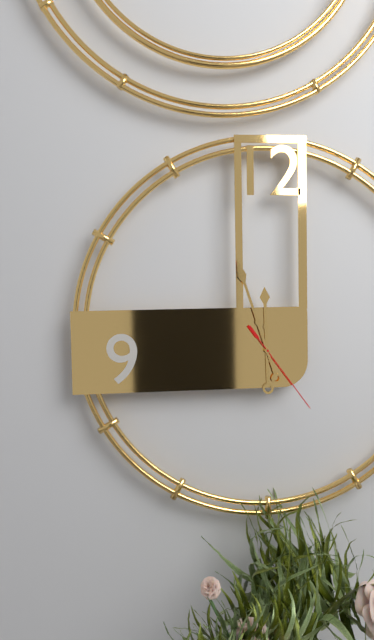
11:57:24
